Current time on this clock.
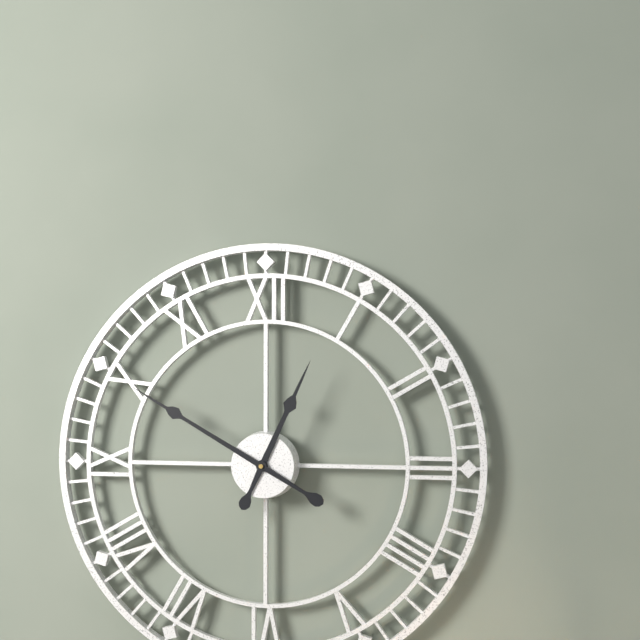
12:50
